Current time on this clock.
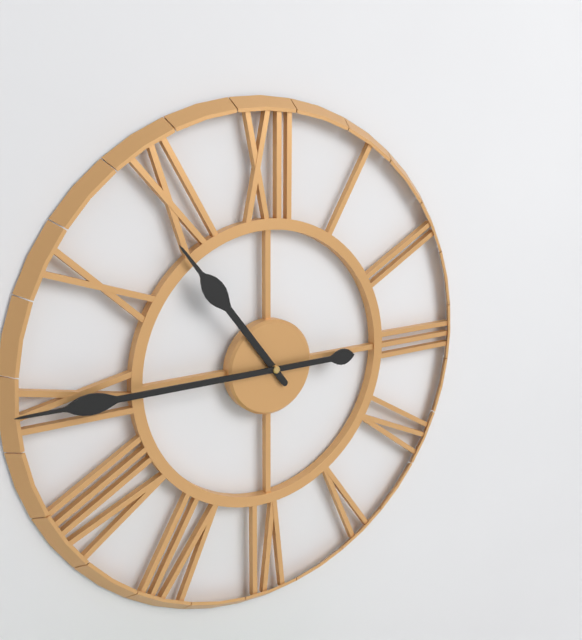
10:45
